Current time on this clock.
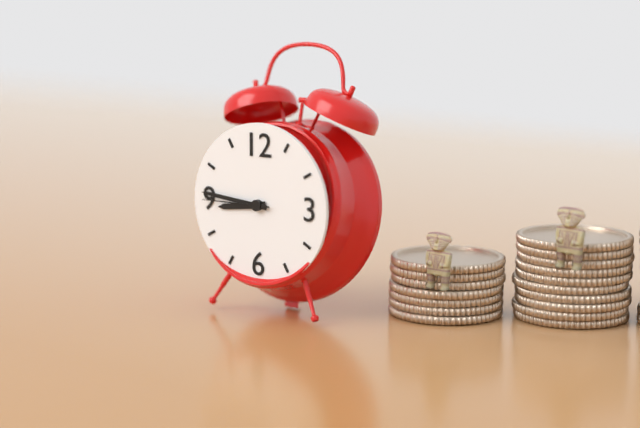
8:46:45
